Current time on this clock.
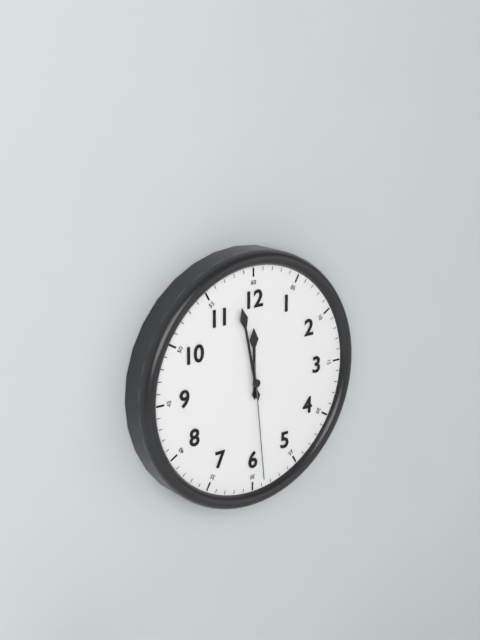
11:58:29
